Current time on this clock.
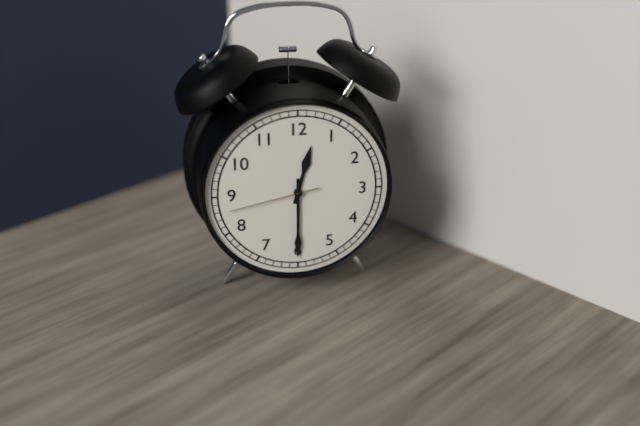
12:30:43
